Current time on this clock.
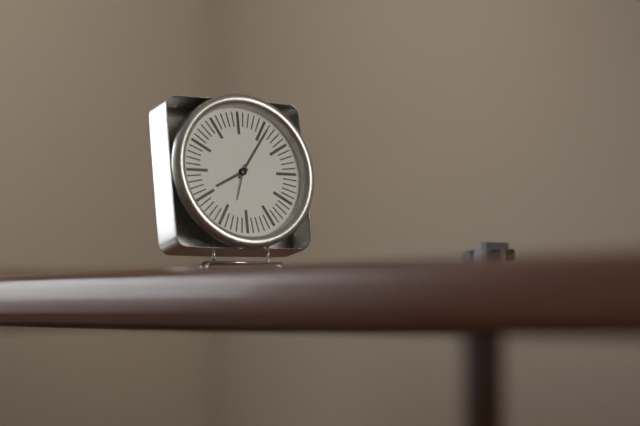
8:06
